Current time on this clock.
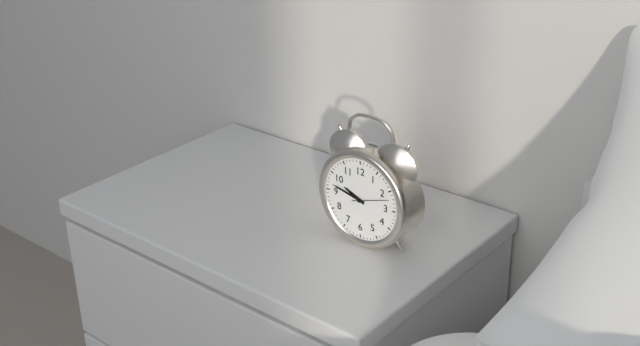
9:47
